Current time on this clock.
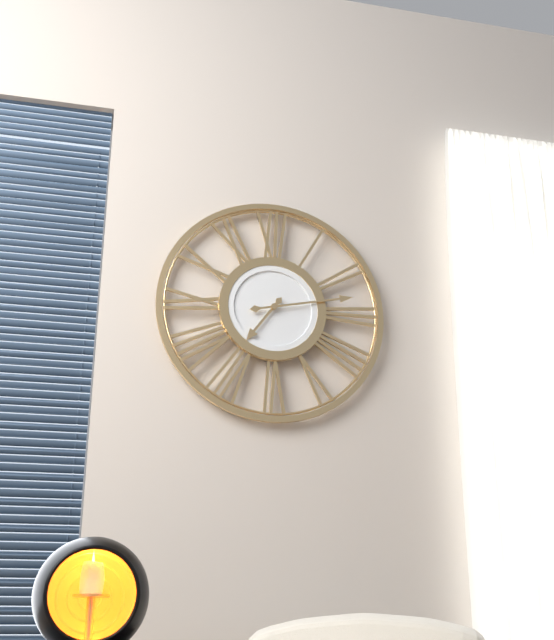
7:13
